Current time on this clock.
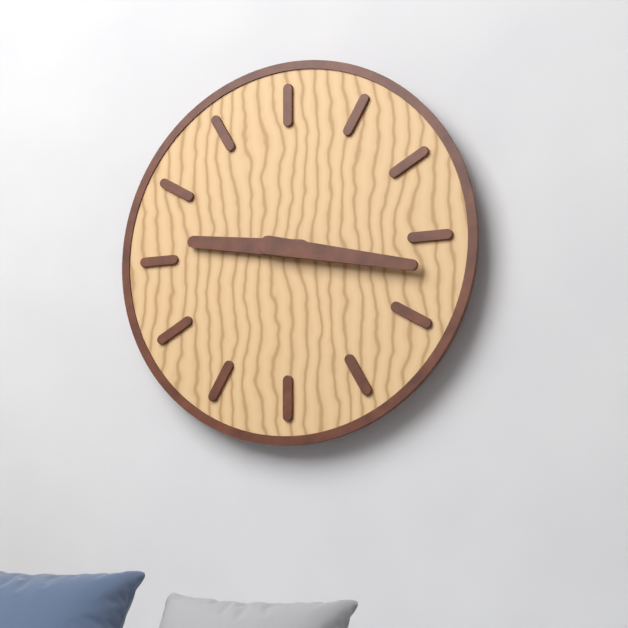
9:17
